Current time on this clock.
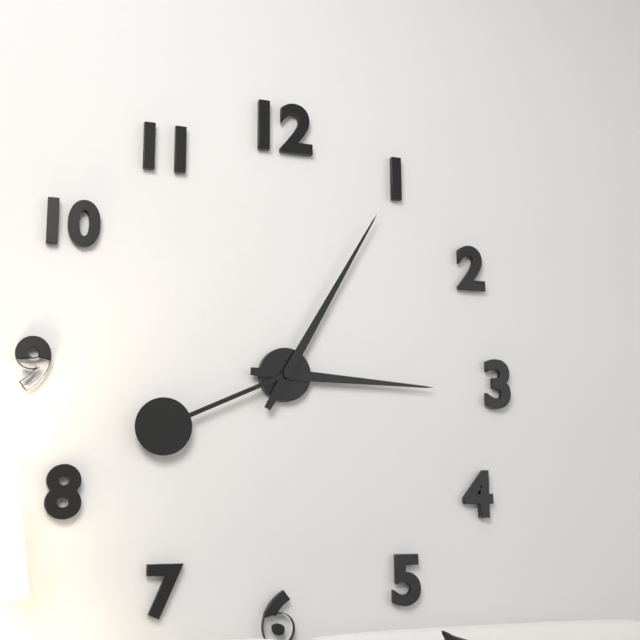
3:05:41
